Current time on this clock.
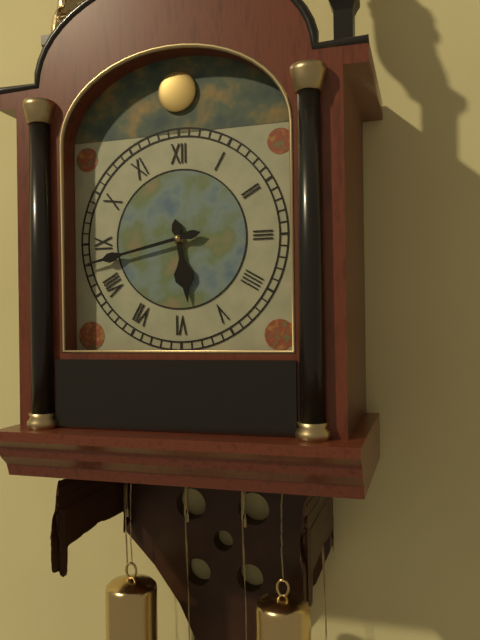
5:43
